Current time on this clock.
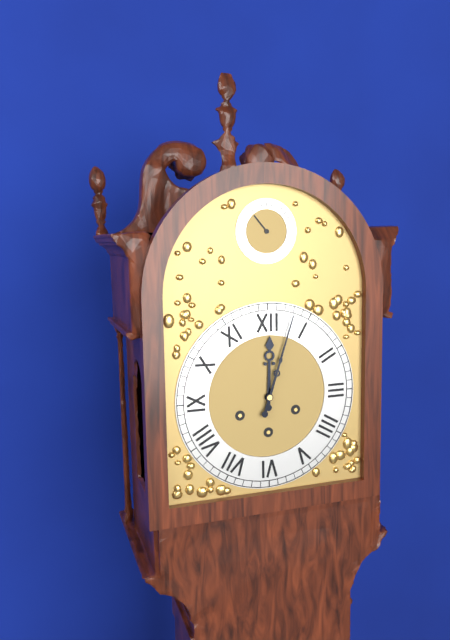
12:03
